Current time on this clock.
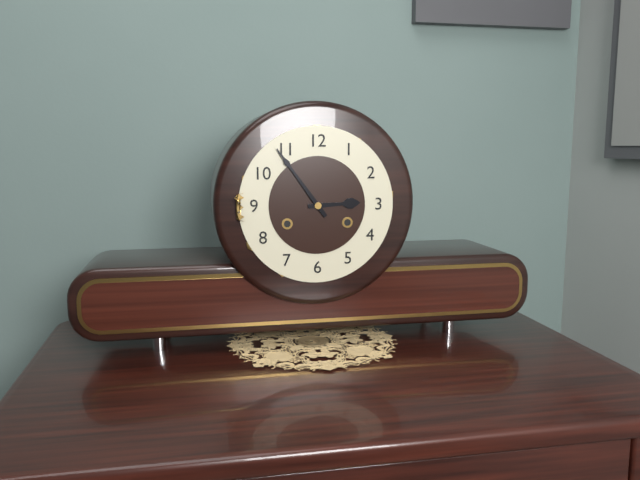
2:54
